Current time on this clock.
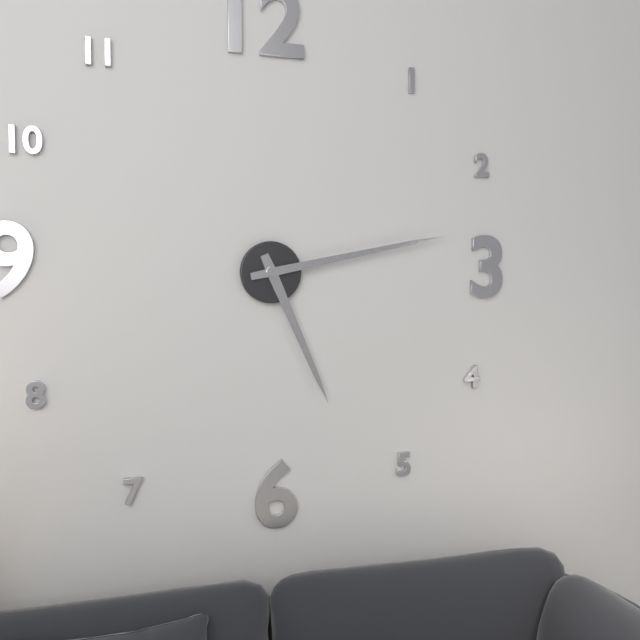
5:13
